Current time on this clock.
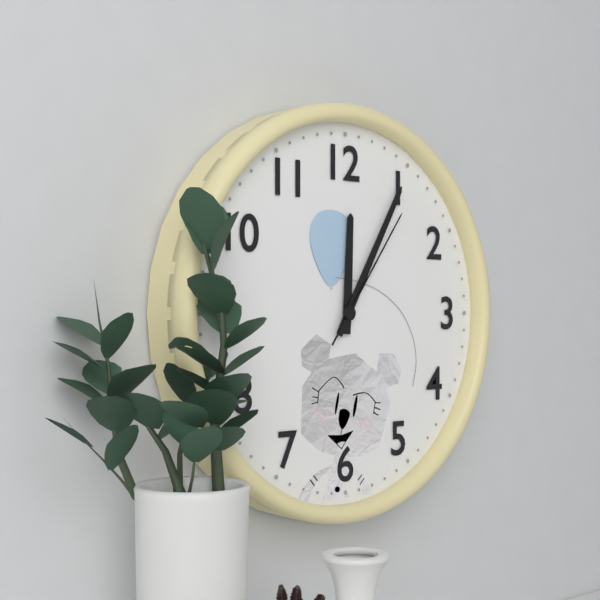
12:05:06
